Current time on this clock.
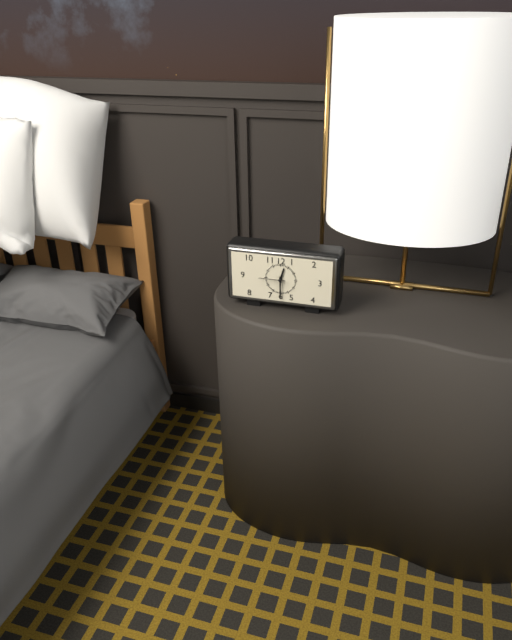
12:30
